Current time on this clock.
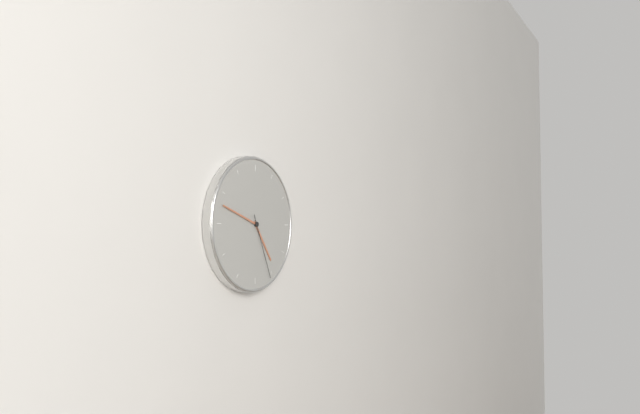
4:48:26
